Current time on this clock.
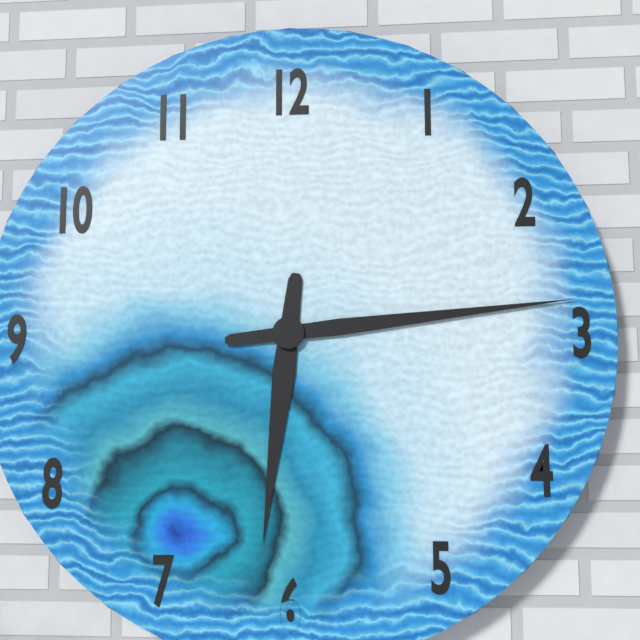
6:14
